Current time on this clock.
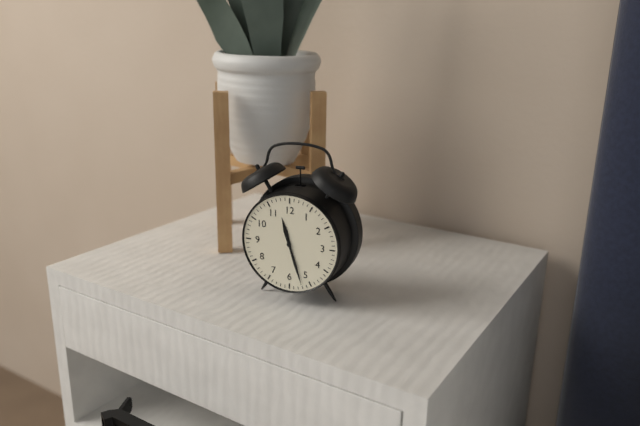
11:27
